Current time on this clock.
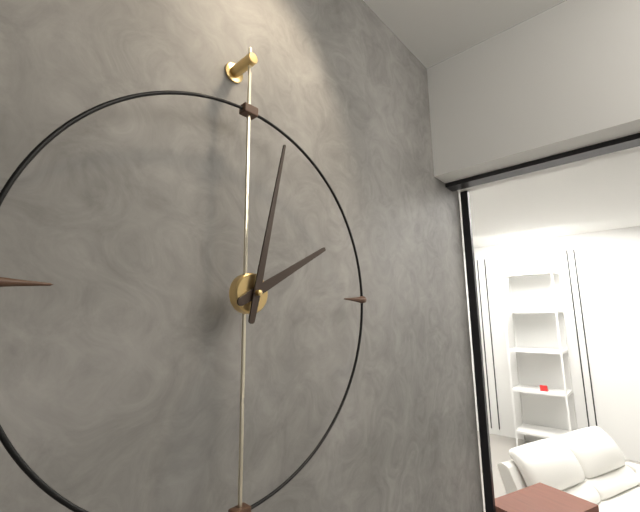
2:02
